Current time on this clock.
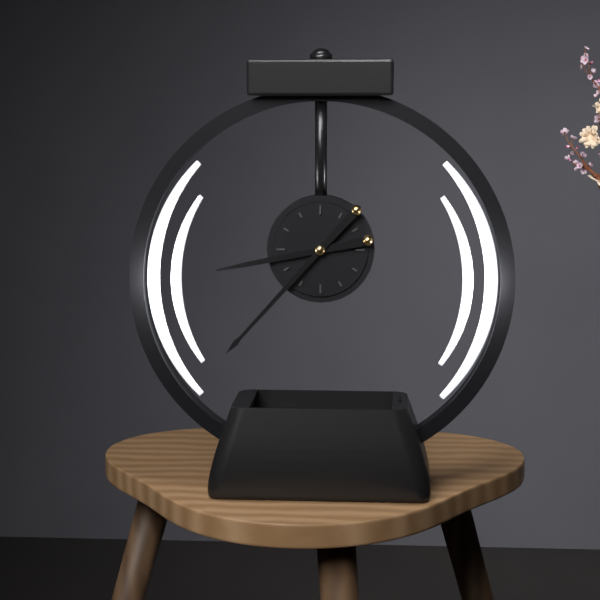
8:37
